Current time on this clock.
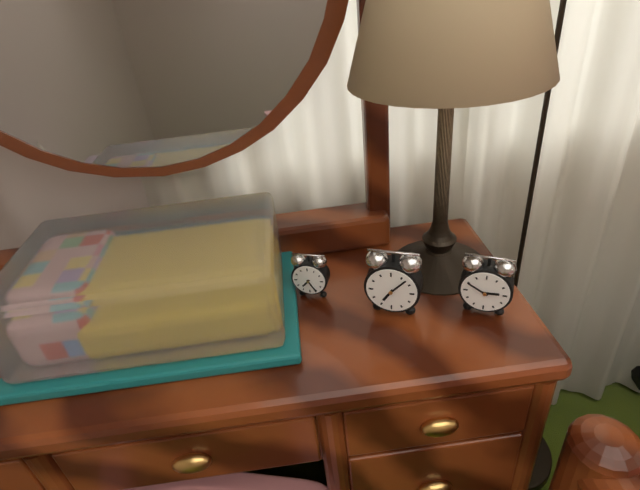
7:07
